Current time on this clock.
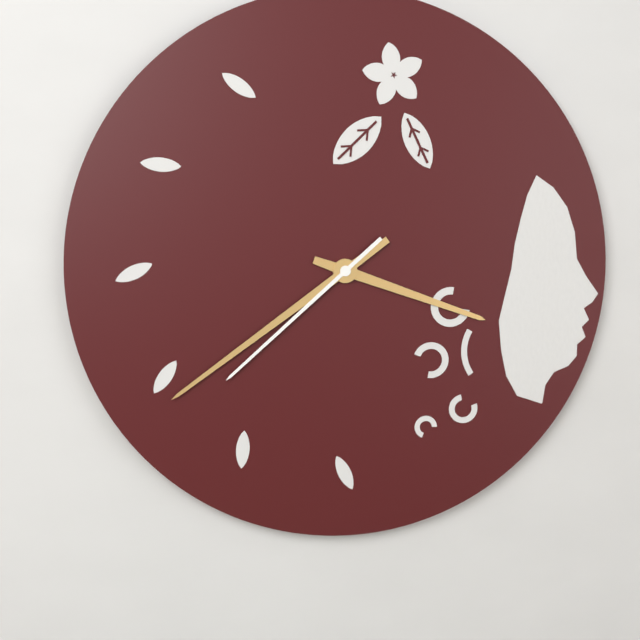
3:39:38
